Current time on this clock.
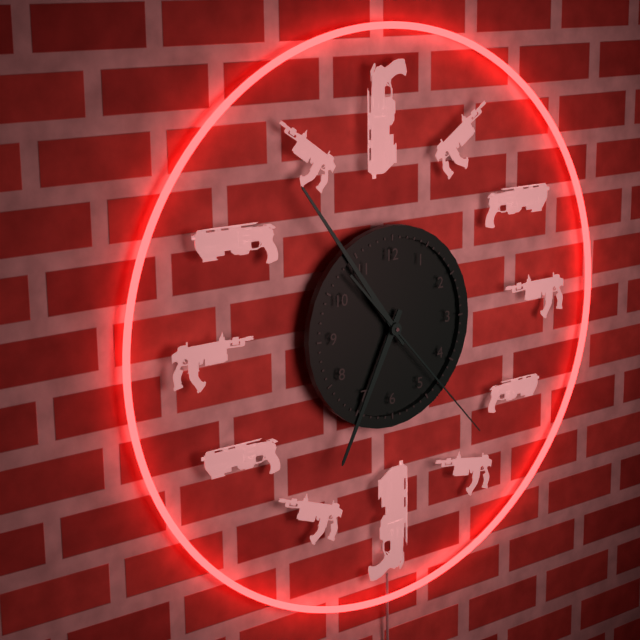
6:54:23
